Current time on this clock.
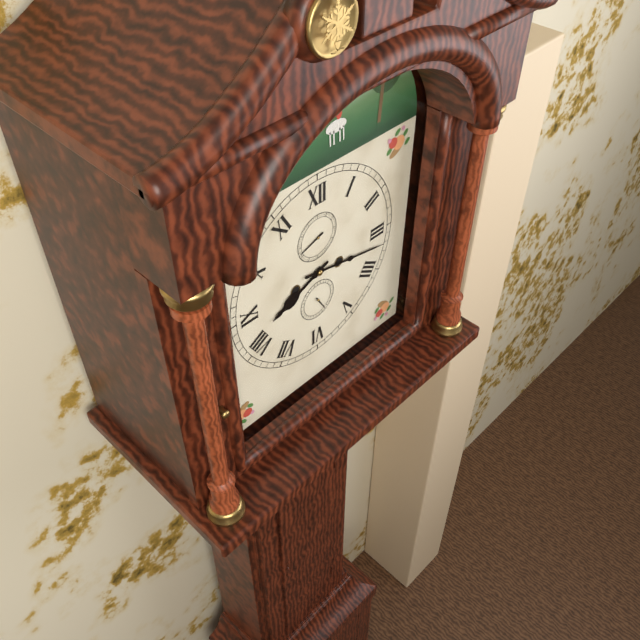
8:17
